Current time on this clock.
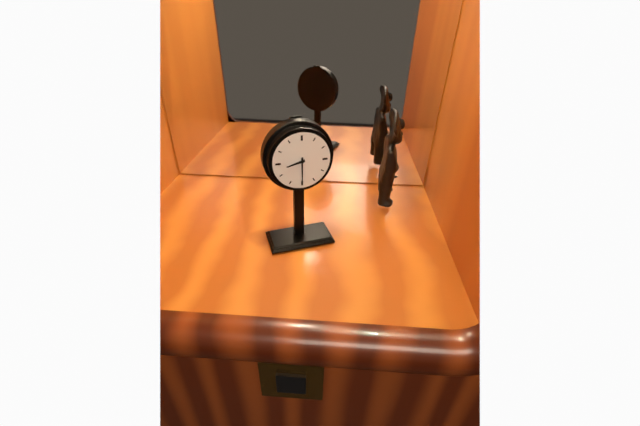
8:30
